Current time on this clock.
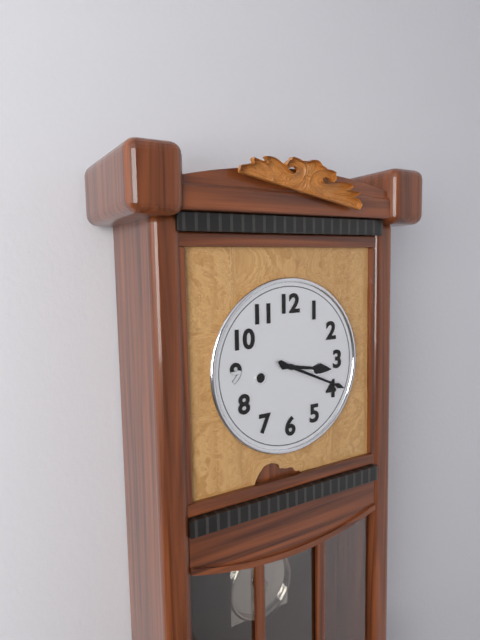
3:19
